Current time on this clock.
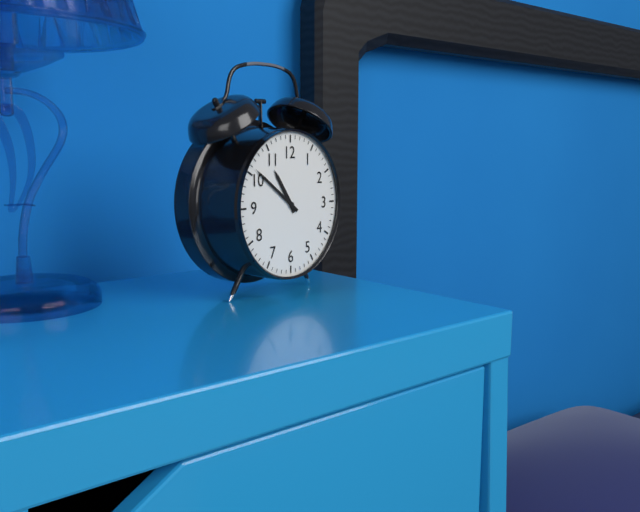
10:51
